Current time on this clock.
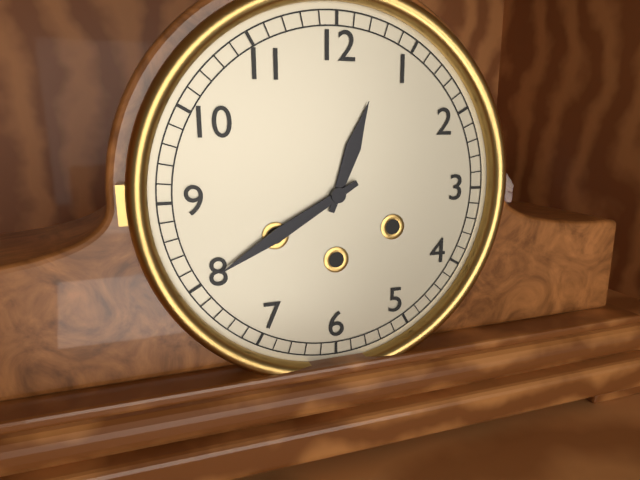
12:40
